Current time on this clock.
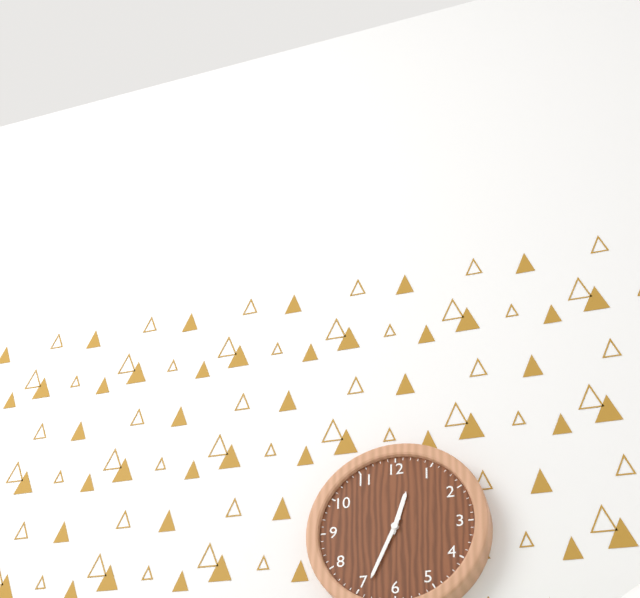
12:34
